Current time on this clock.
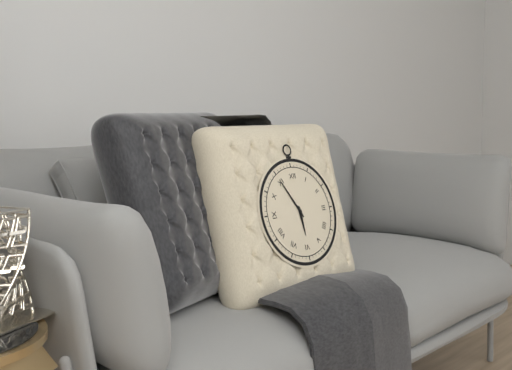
5:55
